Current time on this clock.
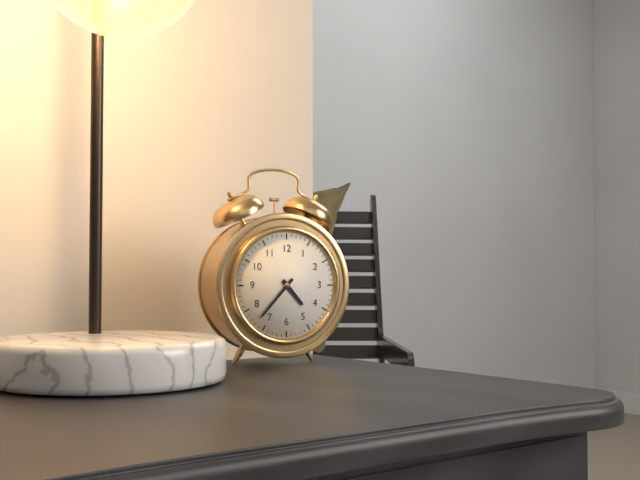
4:37
